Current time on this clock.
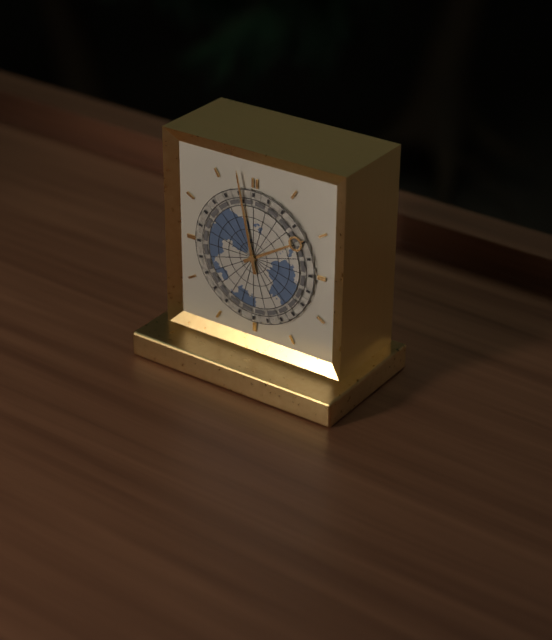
1:58
